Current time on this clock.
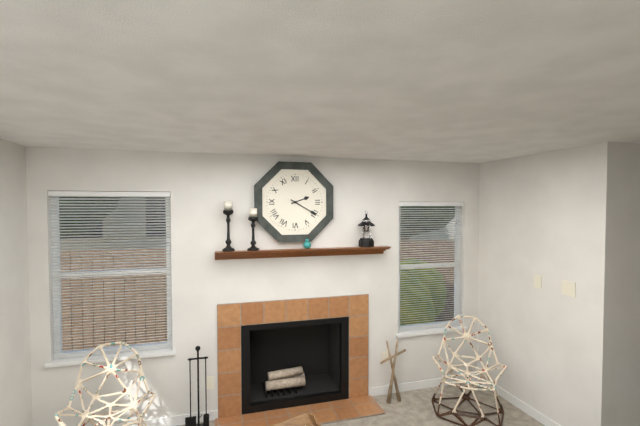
2:20
